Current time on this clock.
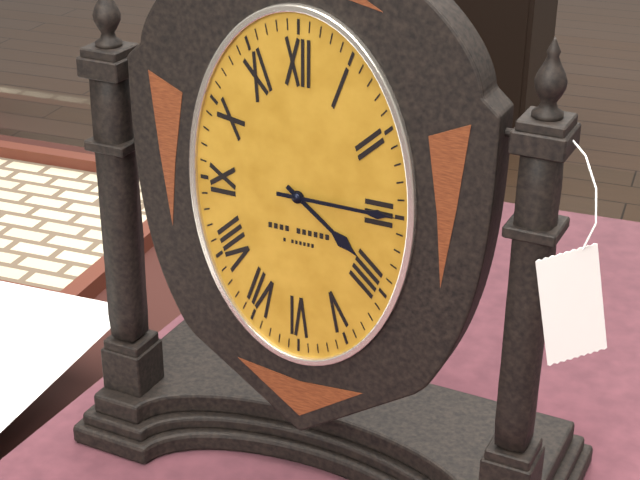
4:15
